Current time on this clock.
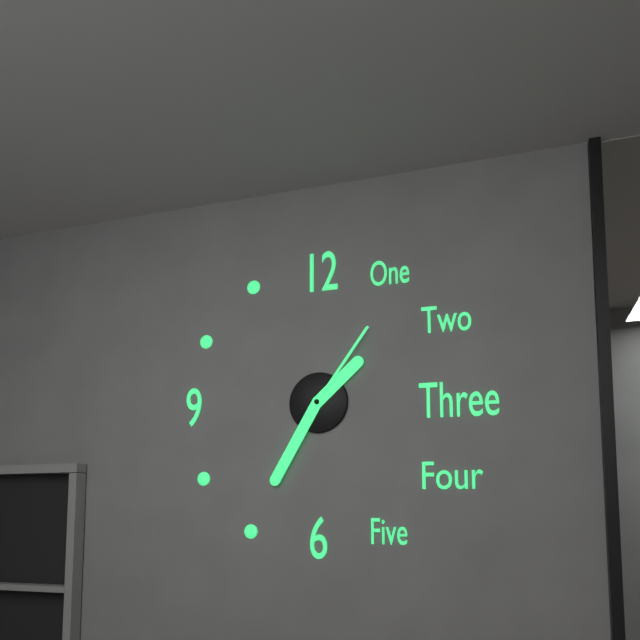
1:35:06
